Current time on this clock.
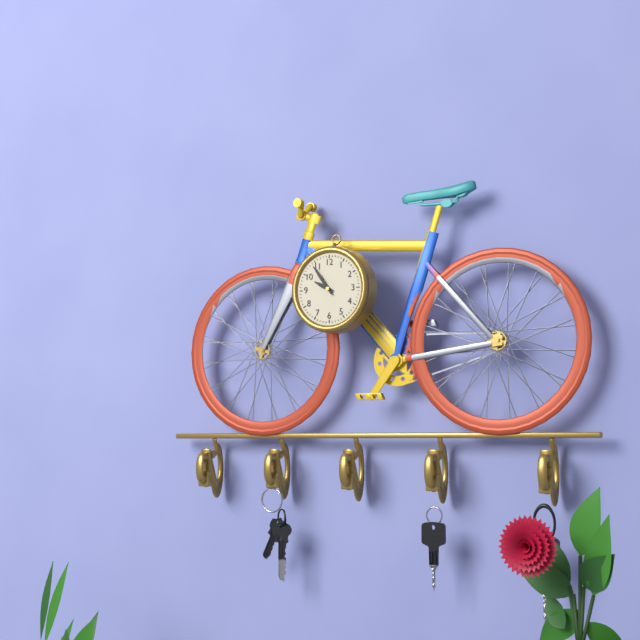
9:54
